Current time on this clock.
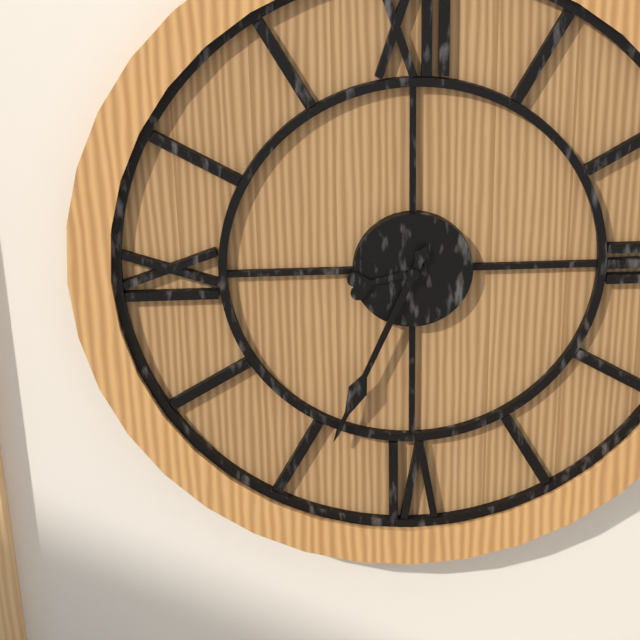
8:34
